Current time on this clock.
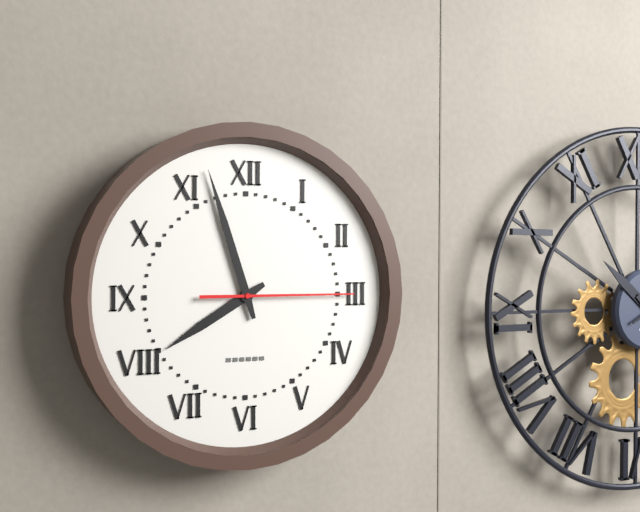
7:57:15
